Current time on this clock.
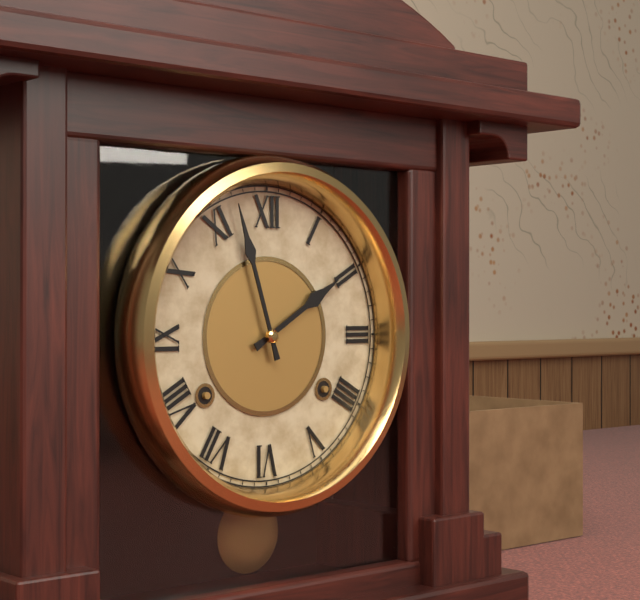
1:57
